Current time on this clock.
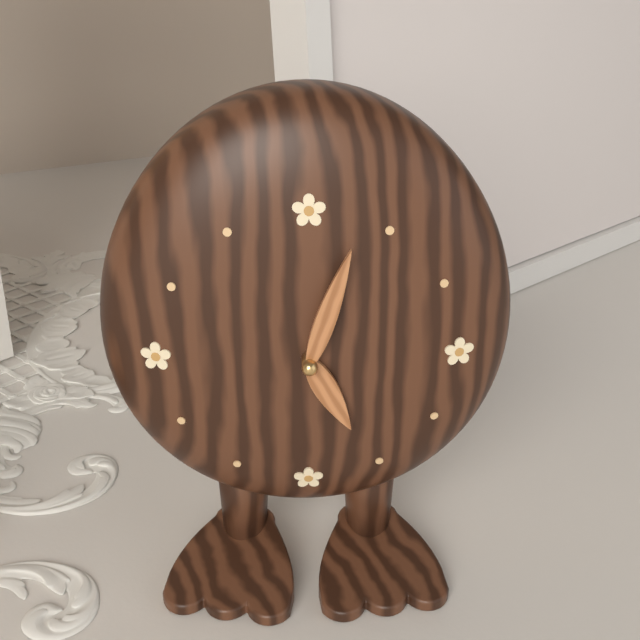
5:03
